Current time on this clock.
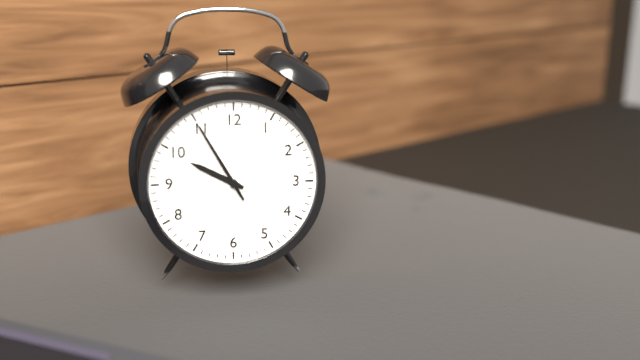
9:55
